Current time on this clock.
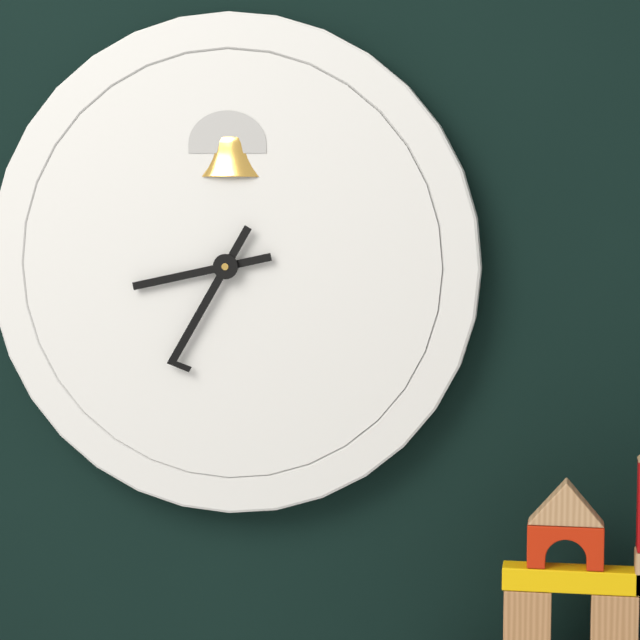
8:35
